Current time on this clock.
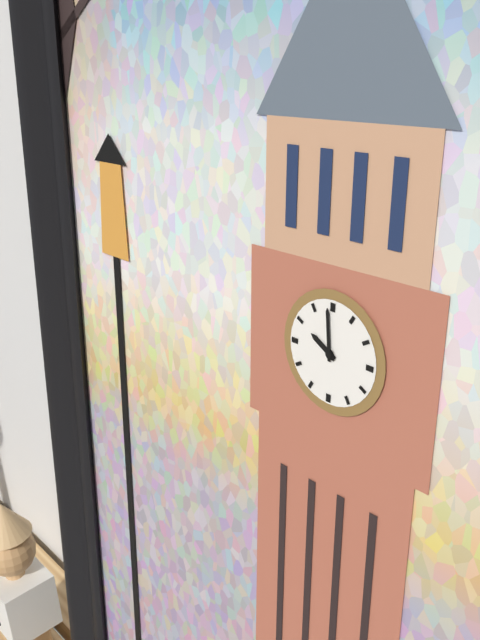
9:59
